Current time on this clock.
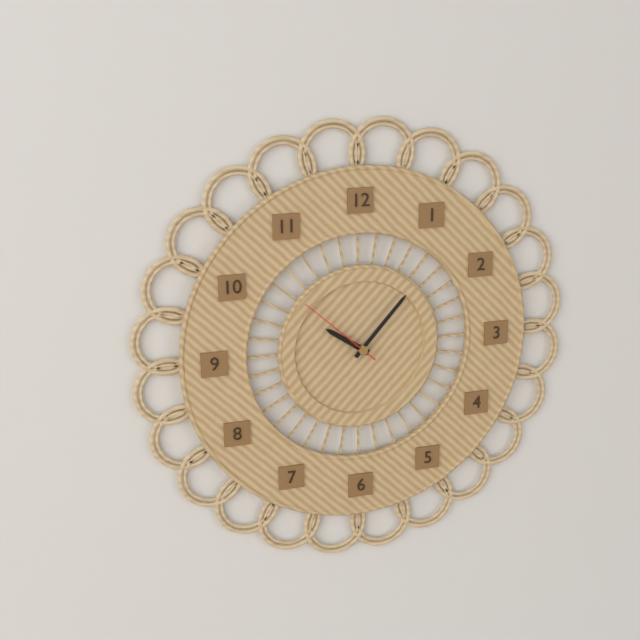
10:07:52
